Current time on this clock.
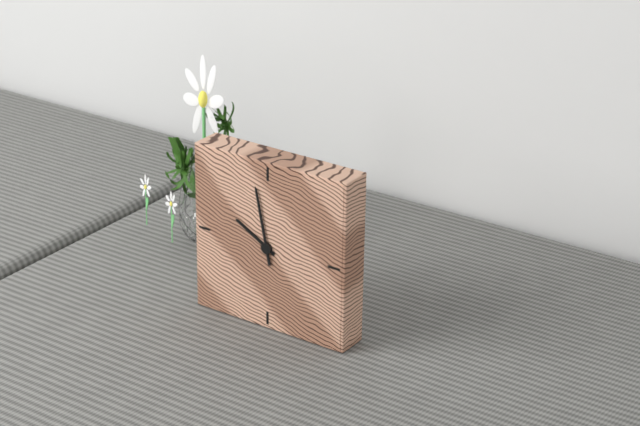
9:58
